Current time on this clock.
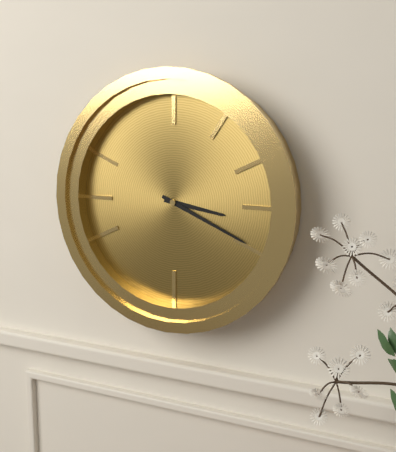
3:19
